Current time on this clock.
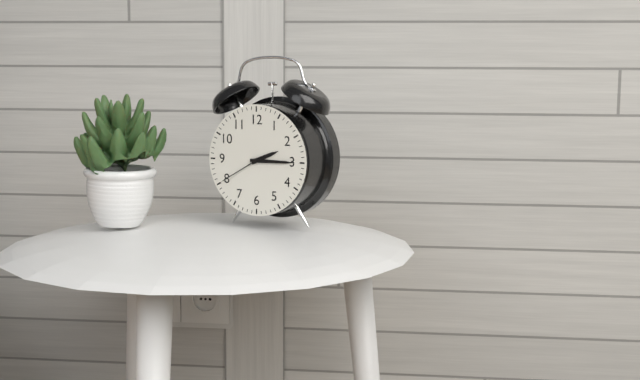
2:15
